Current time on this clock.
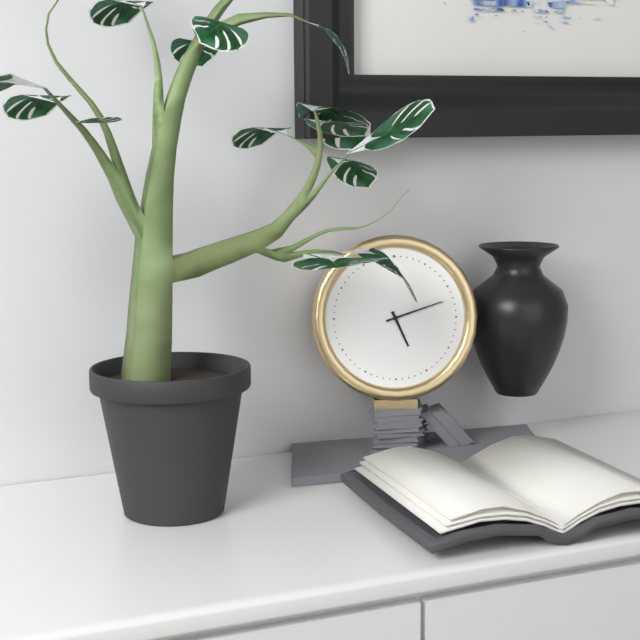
5:12
